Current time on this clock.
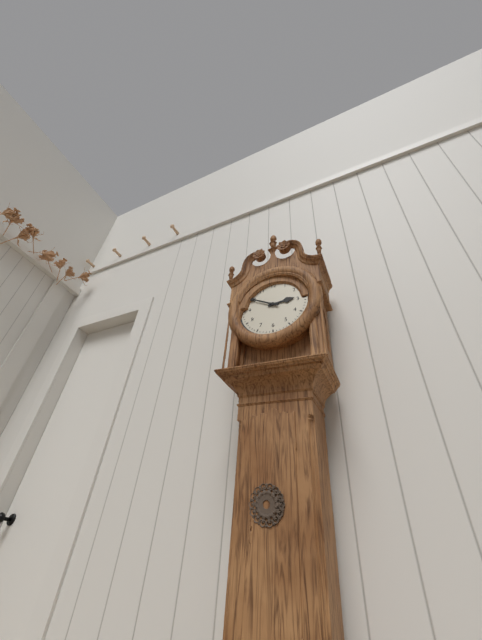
2:50
